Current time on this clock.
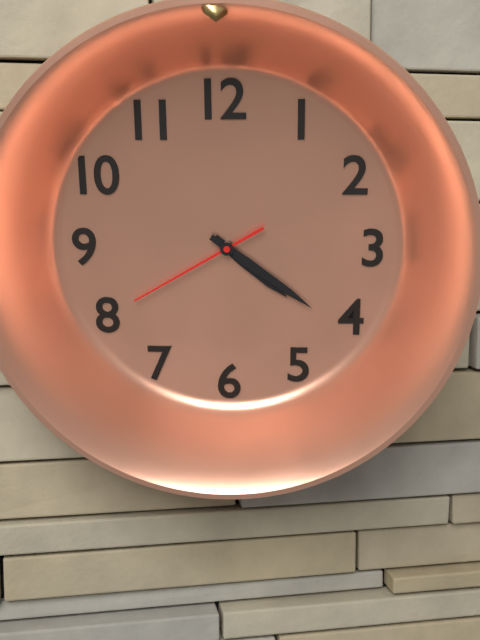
4:21:40
